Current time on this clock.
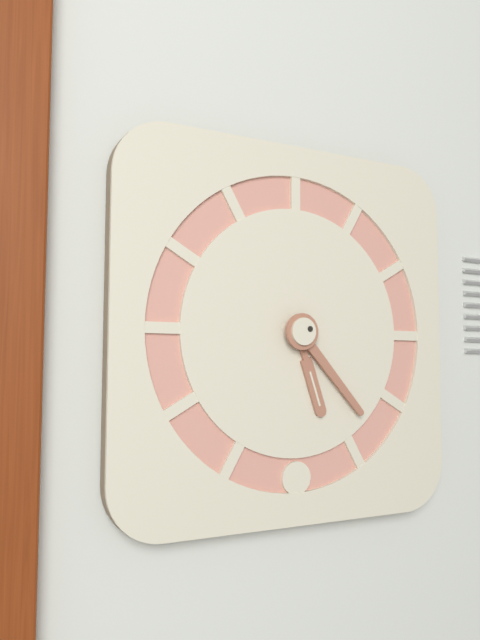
5:23
